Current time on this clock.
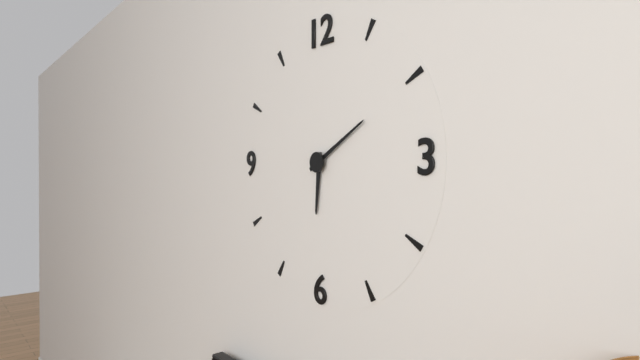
6:10
